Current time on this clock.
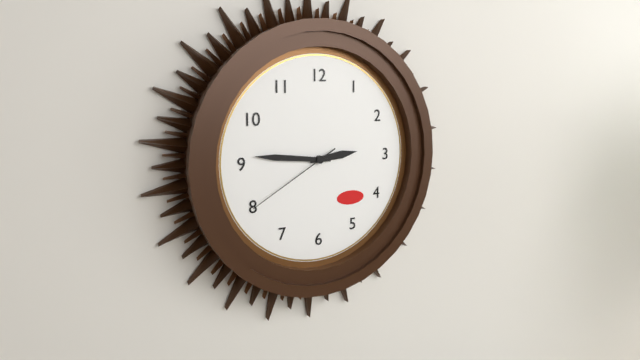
2:46:40
